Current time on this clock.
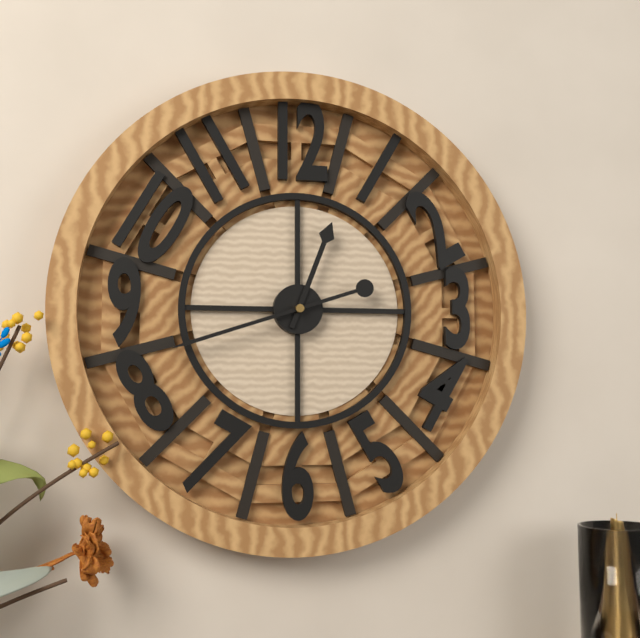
12:42
